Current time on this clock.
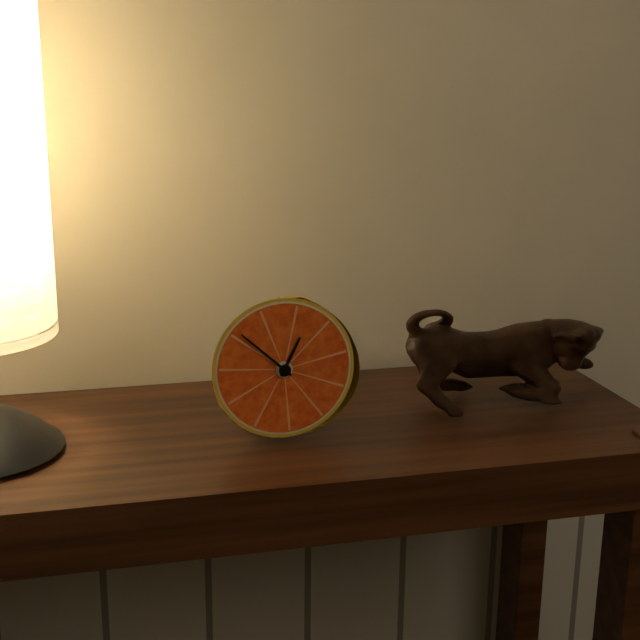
12:52
